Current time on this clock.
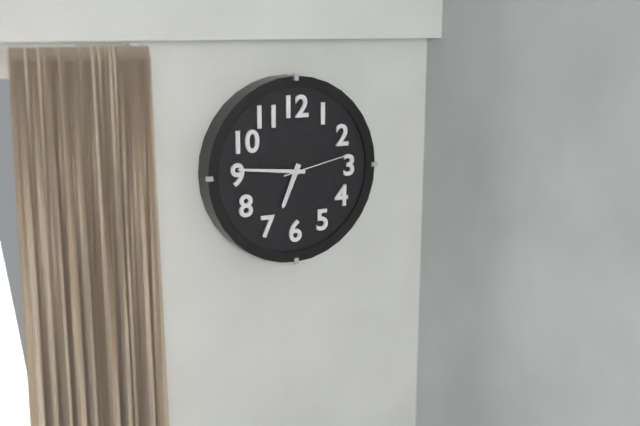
6:46:13
